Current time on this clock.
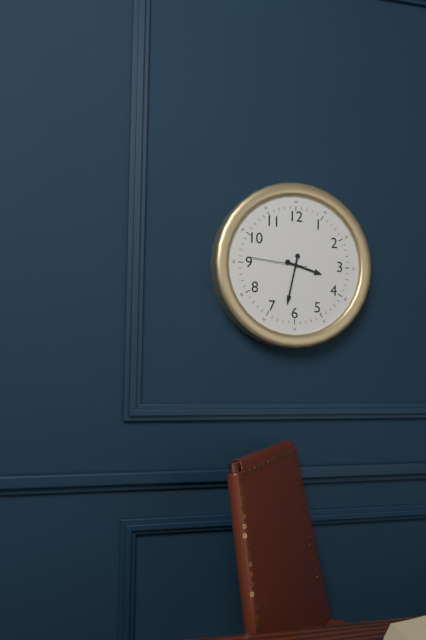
3:32:46
